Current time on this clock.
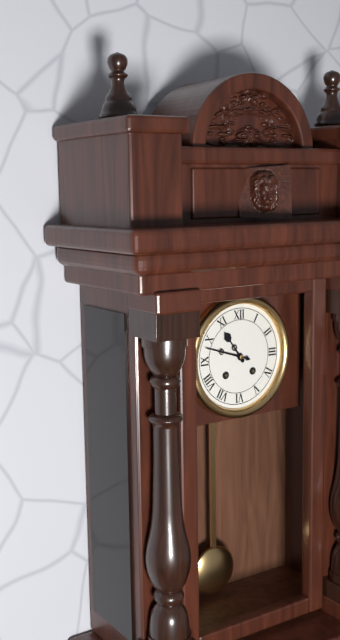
10:48
